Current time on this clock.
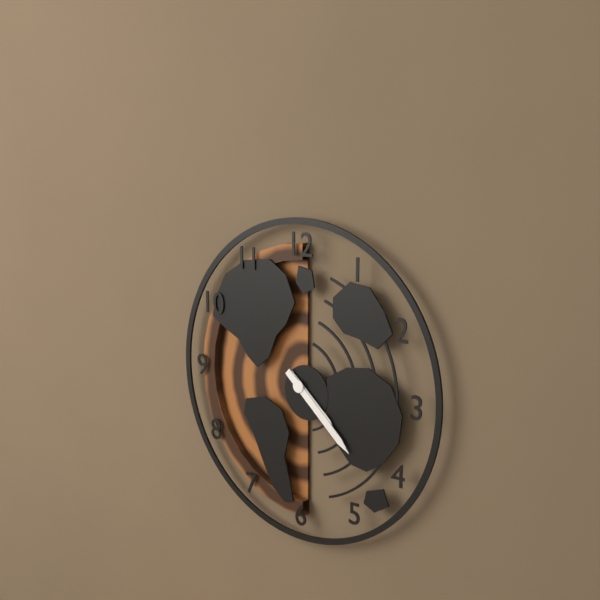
4:22
